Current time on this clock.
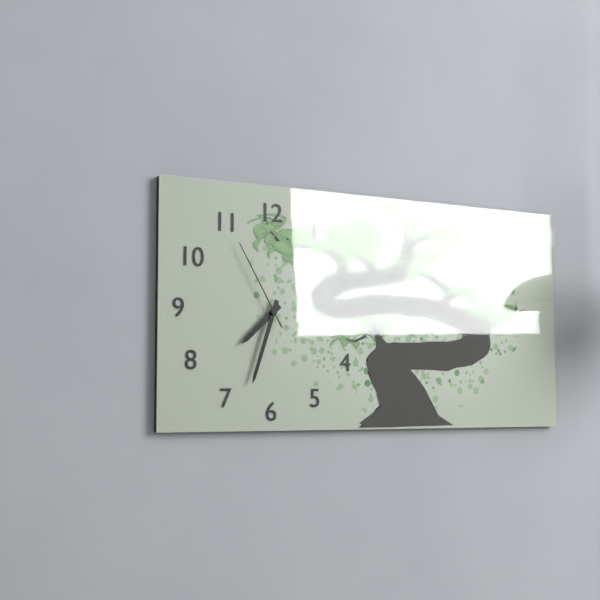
7:33:55
